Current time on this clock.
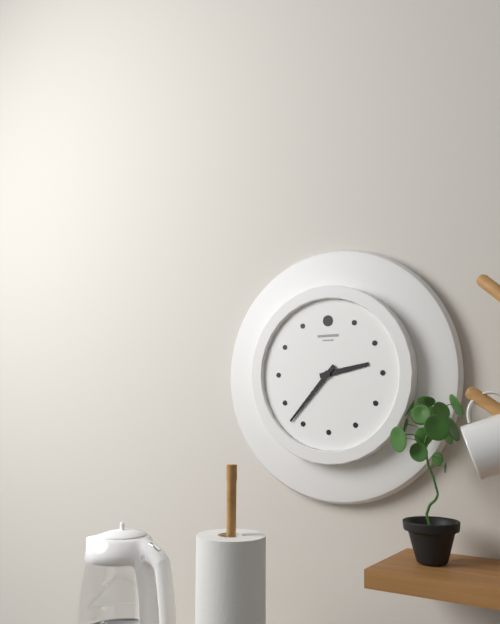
2:37
